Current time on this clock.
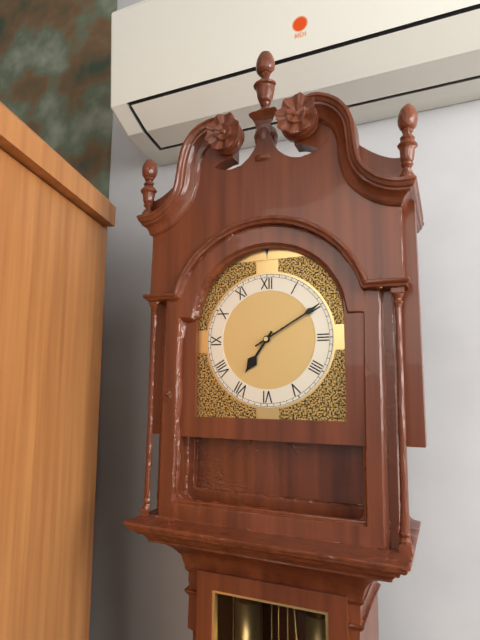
7:10
